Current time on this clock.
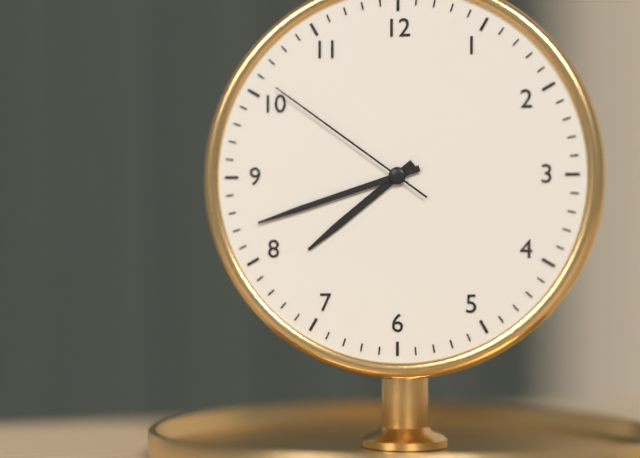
7:42:51
